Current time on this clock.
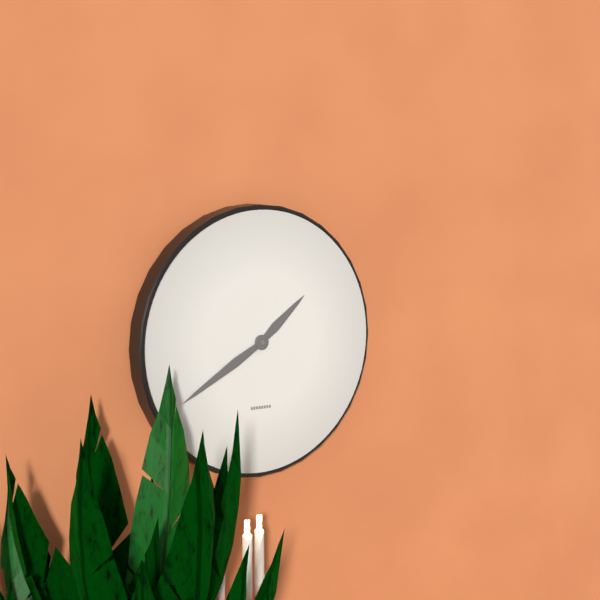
1:40
